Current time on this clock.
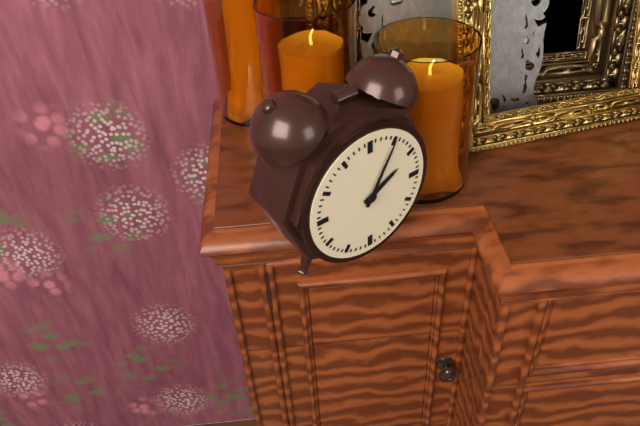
2:05
